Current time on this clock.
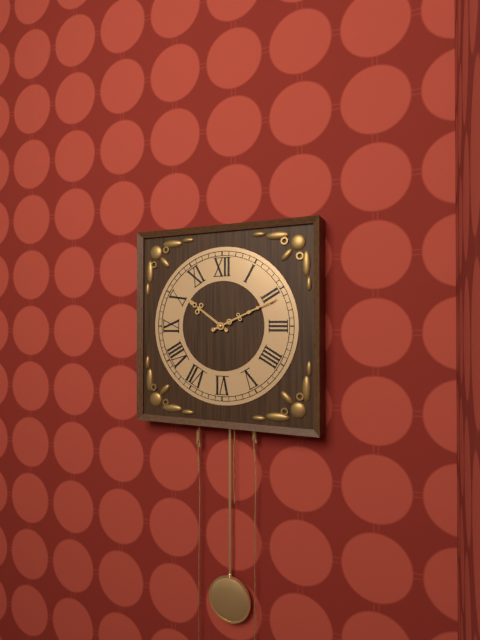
10:11
